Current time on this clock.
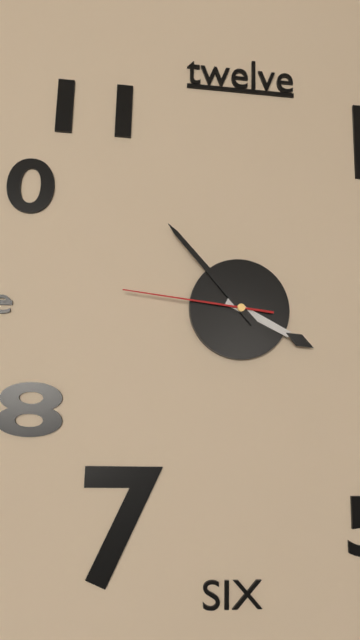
3:53:46
